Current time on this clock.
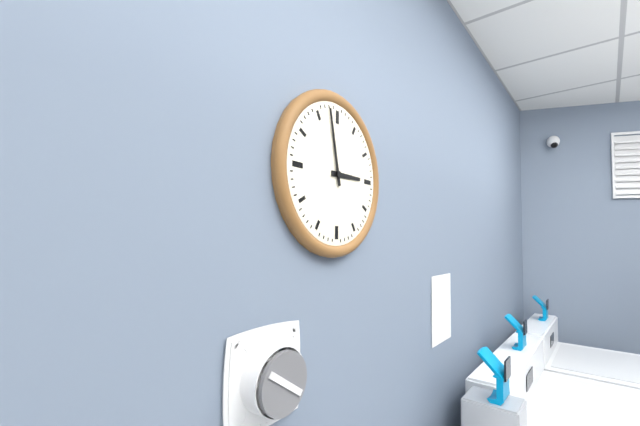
2:58
